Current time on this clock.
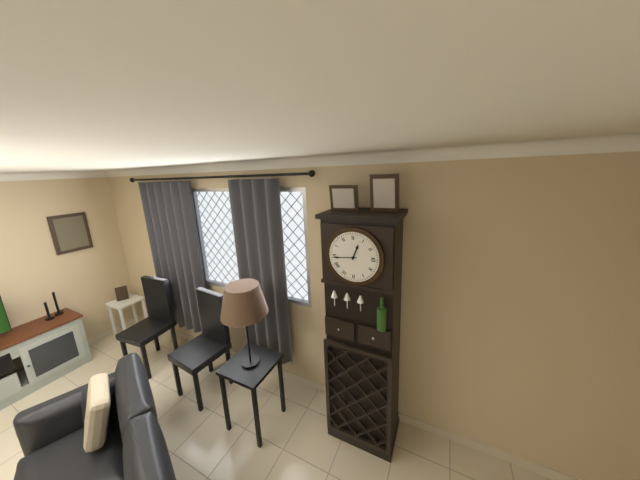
12:44
